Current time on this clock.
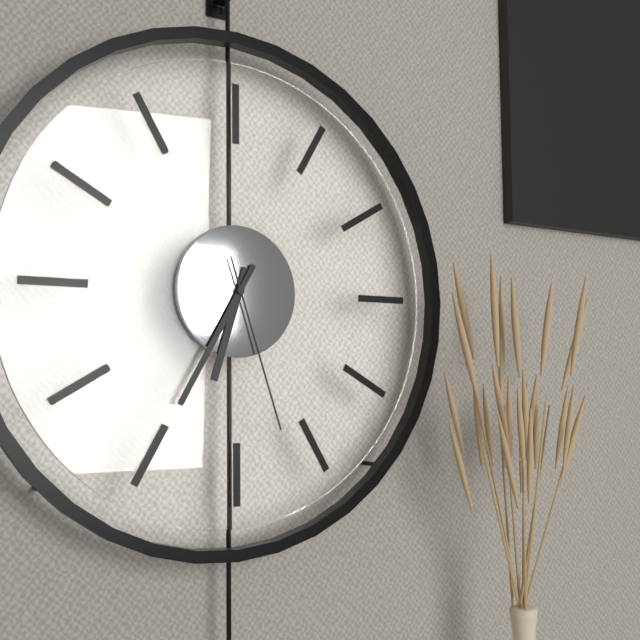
6:35:27
